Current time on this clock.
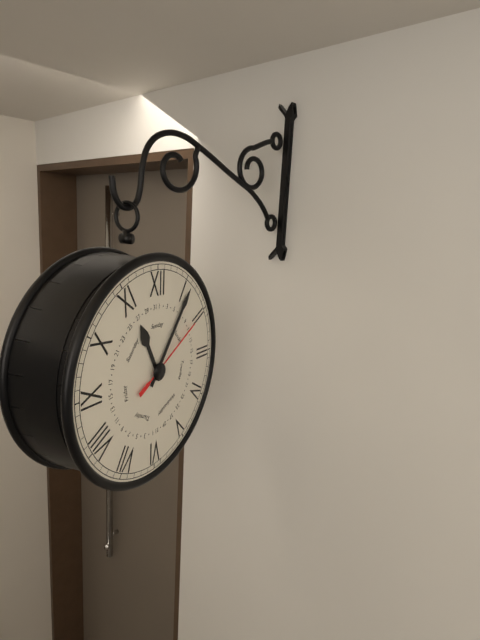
11:06:10
